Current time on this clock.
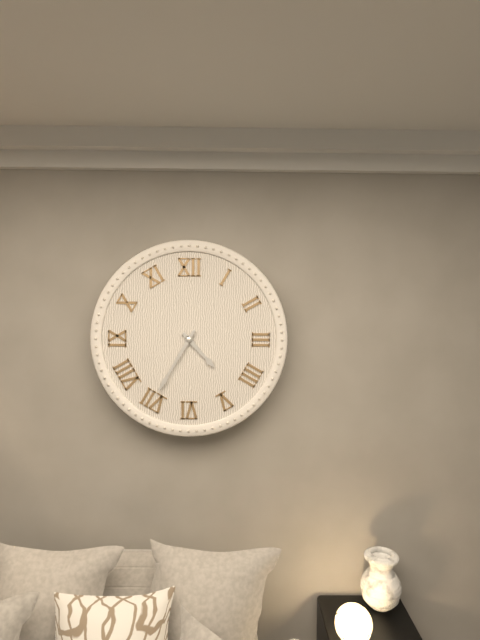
4:35
